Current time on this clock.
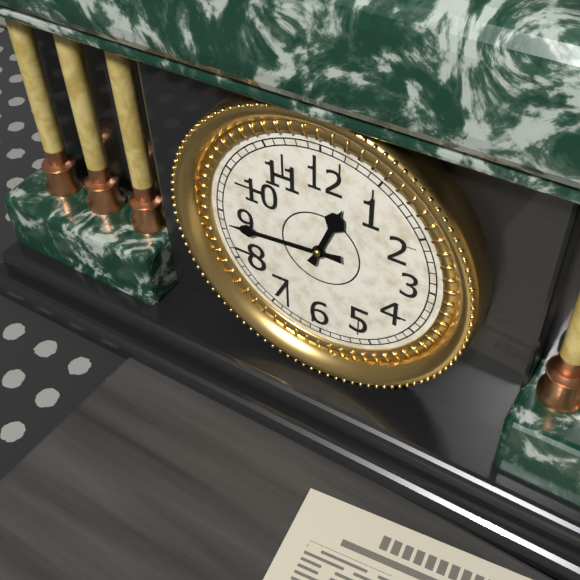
12:44
